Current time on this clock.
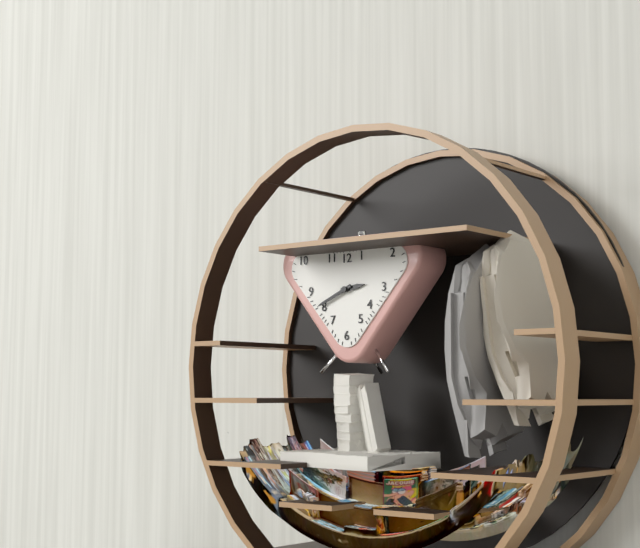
2:41
